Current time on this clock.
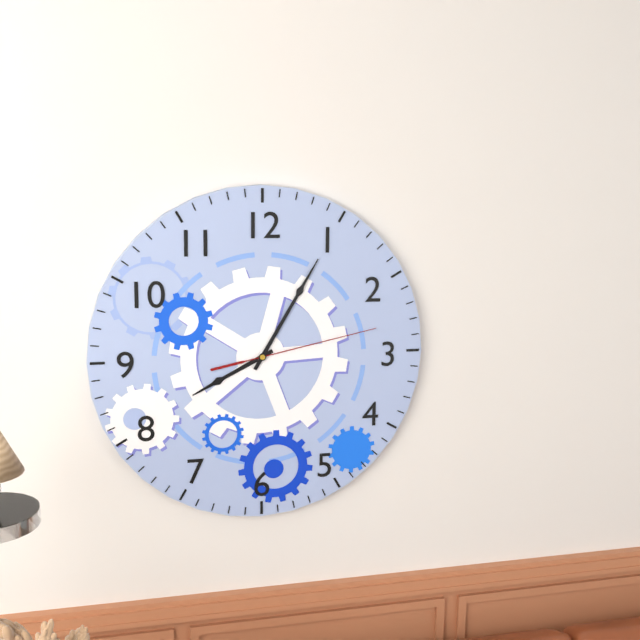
8:05:13
